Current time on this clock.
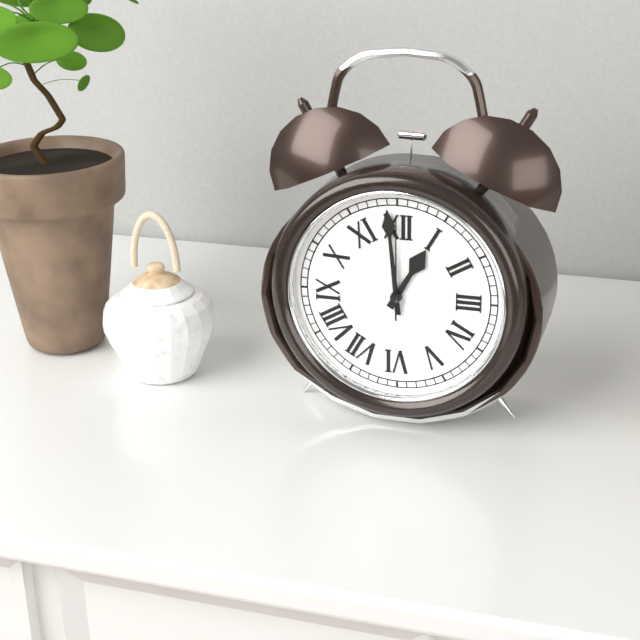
12:59:00
